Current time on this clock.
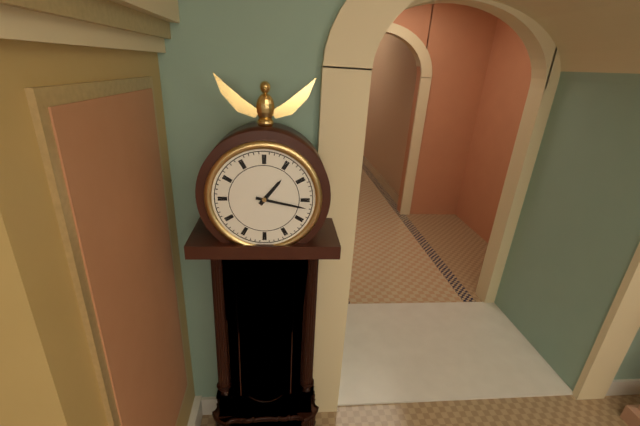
1:17
